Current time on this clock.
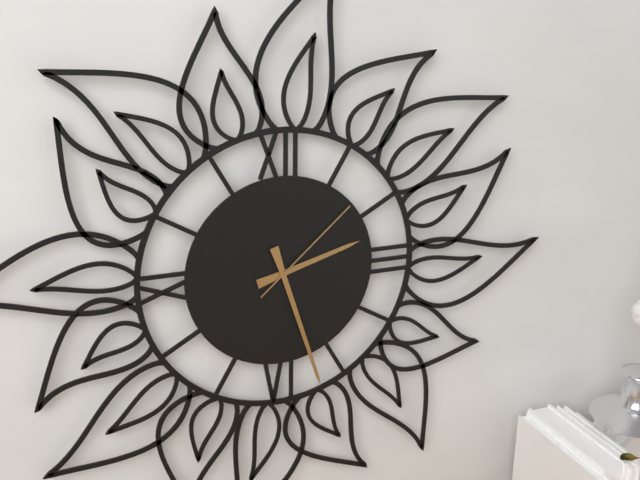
2:27:08
